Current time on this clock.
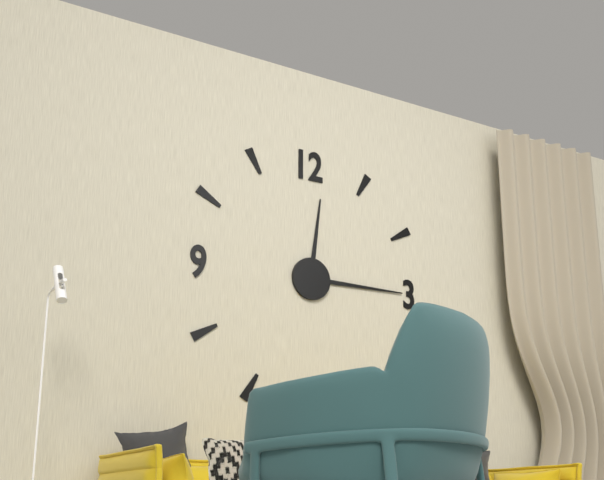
12:15
